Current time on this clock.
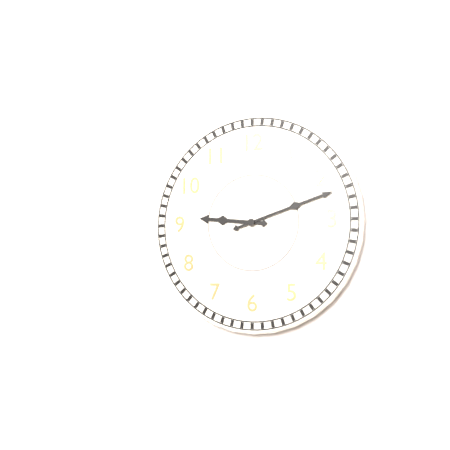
9:12
